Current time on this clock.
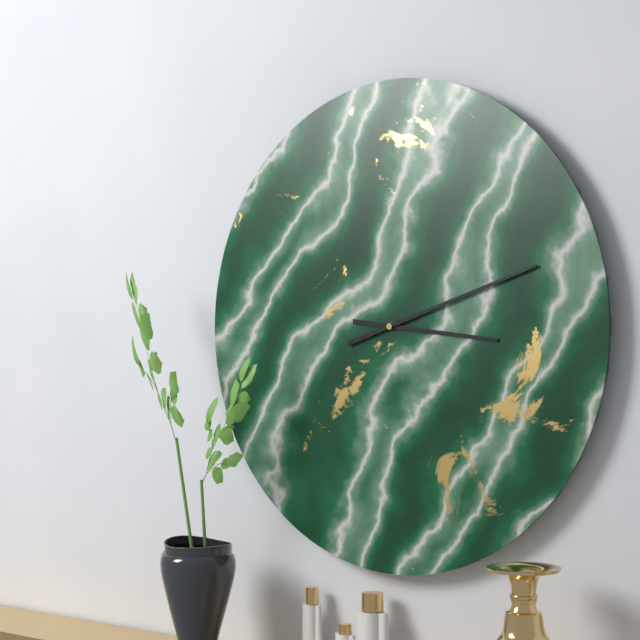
3:12
